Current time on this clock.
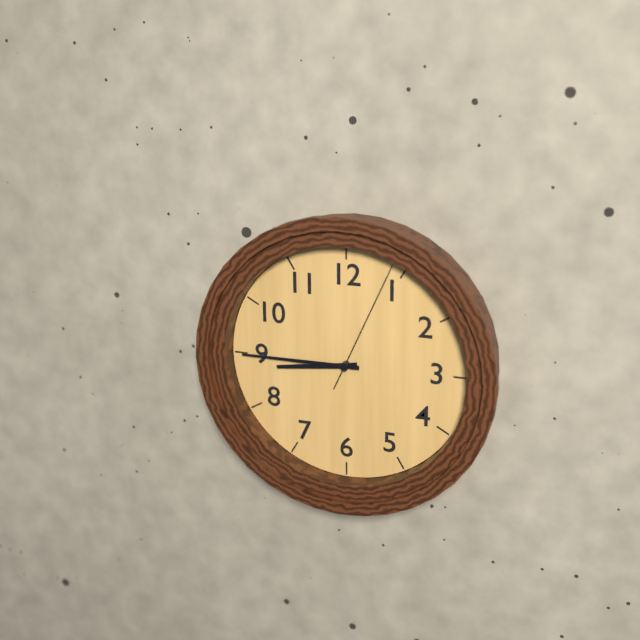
8:45:04
